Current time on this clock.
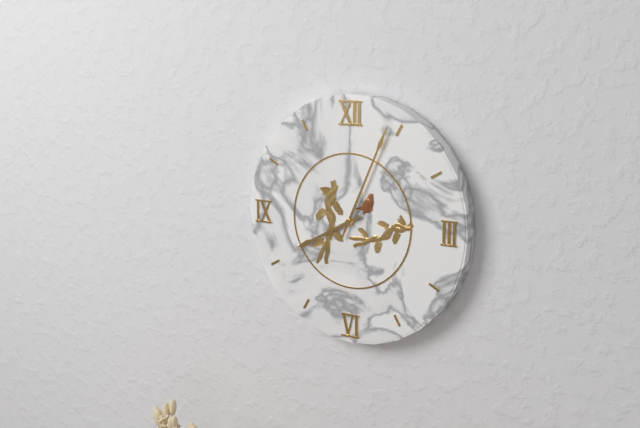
8:04
